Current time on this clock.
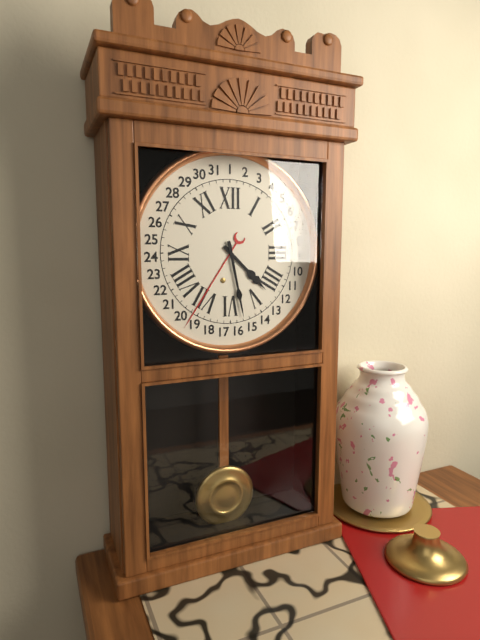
4:28
